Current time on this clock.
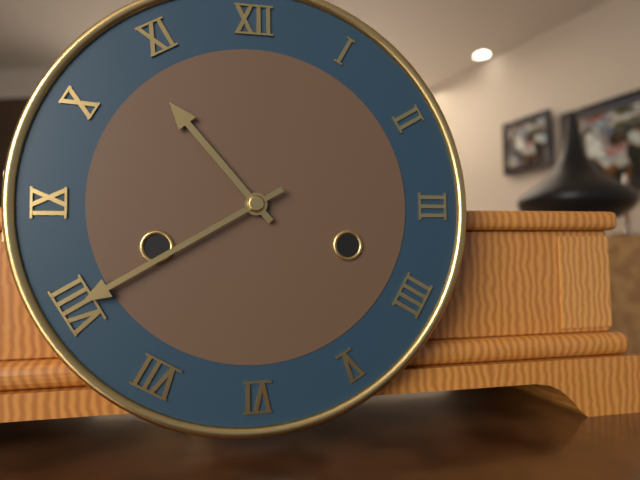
10:40
